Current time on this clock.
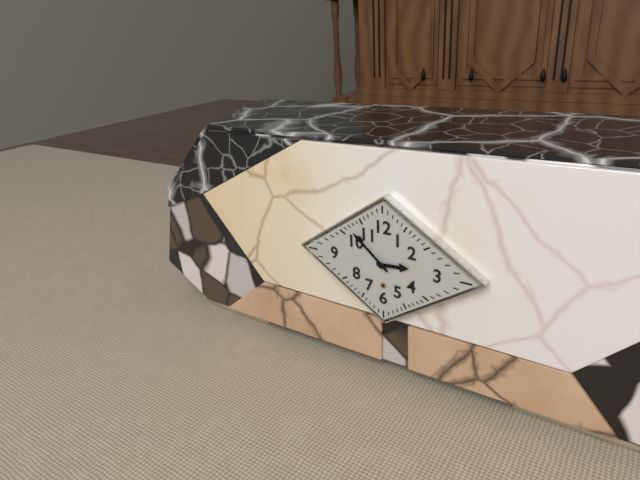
2:52
